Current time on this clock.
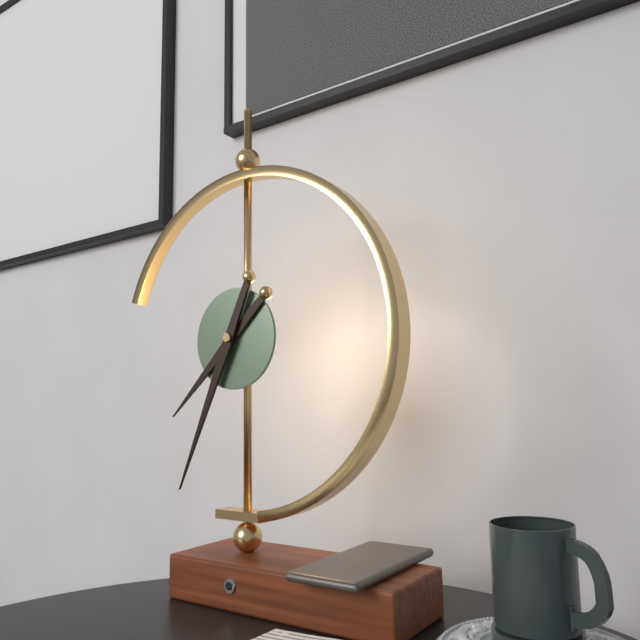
7:34
